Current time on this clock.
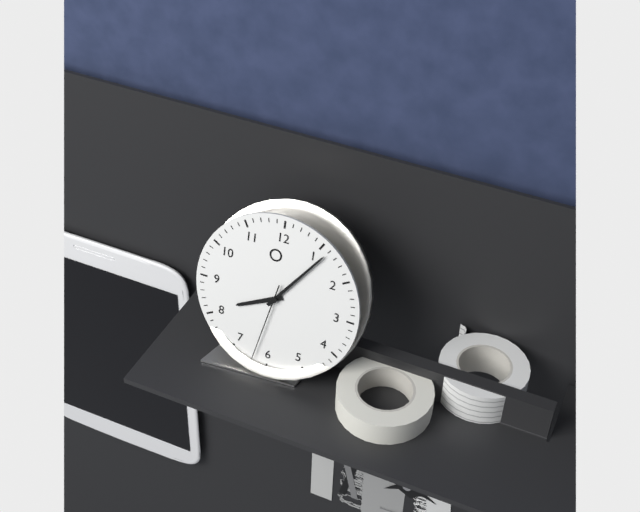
8:06:32
